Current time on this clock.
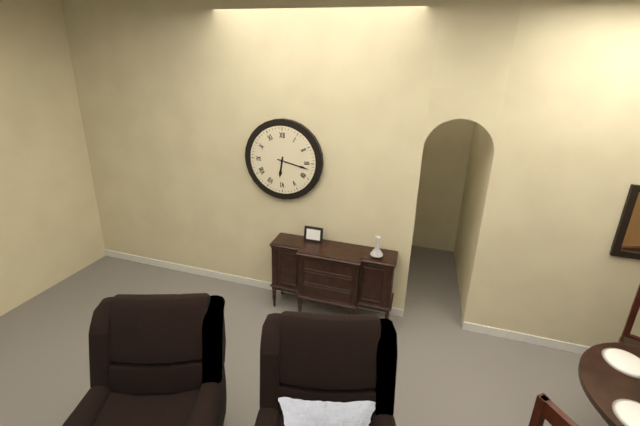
6:17
